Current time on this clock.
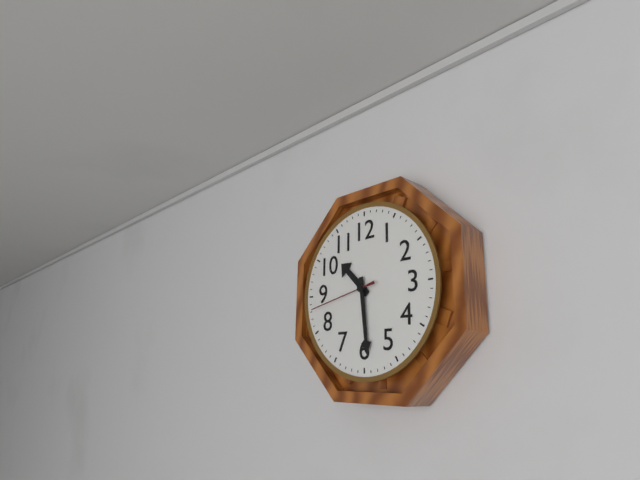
10:29:43
